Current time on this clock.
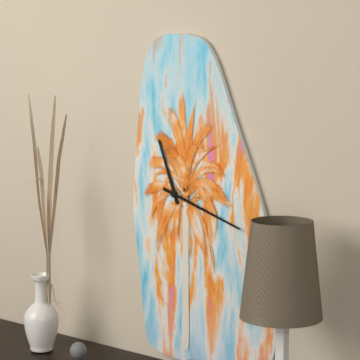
11:18
